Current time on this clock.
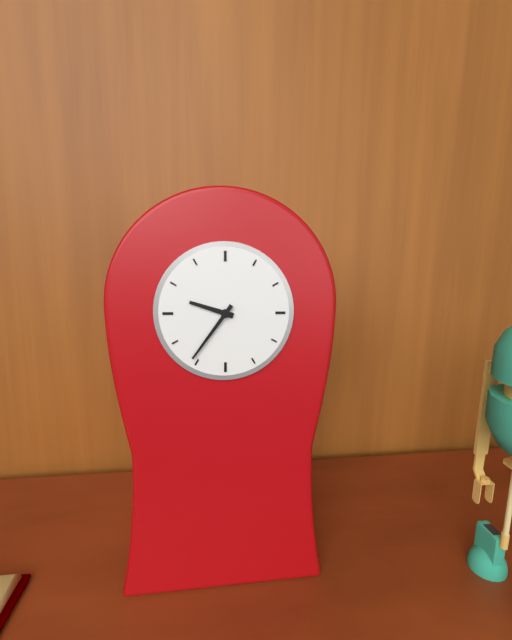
9:36
